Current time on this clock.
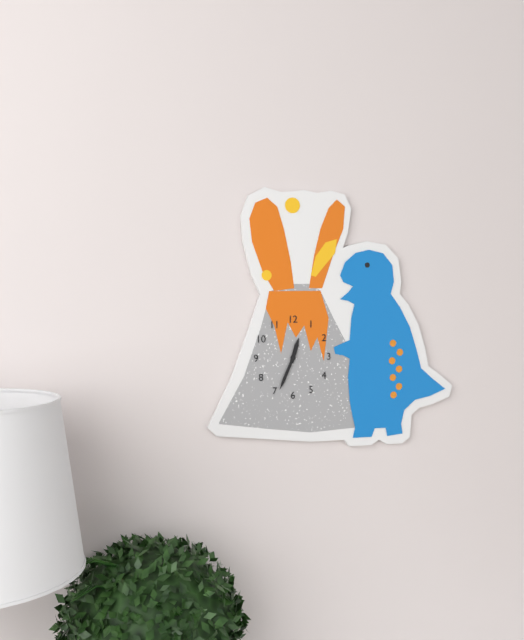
12:34
